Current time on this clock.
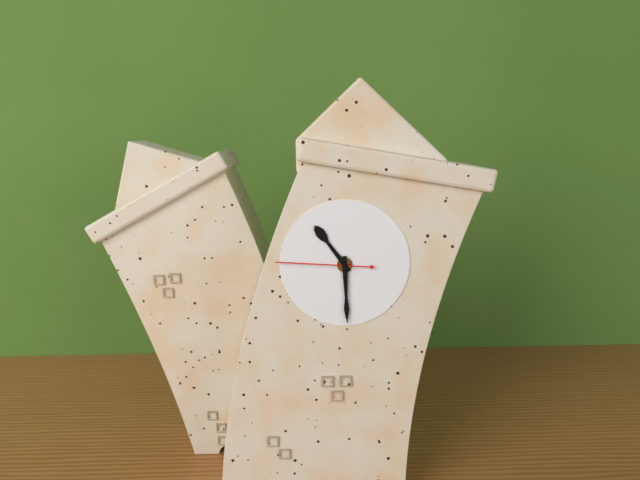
10:28:44
